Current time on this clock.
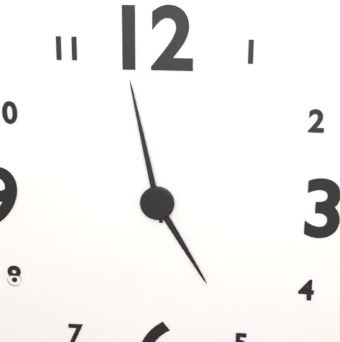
4:58
